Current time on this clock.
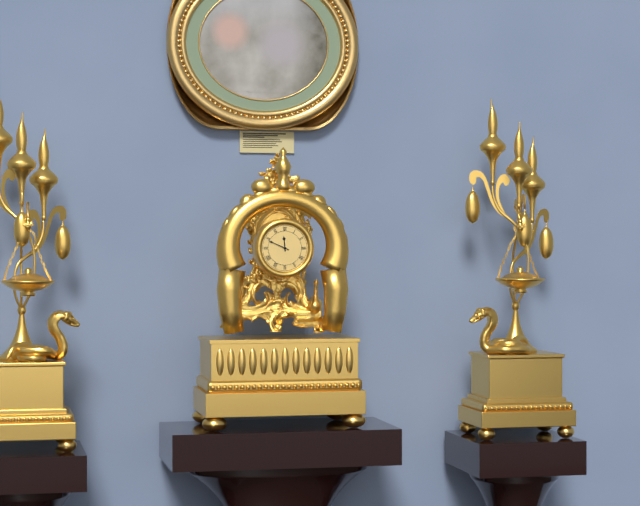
11:49
